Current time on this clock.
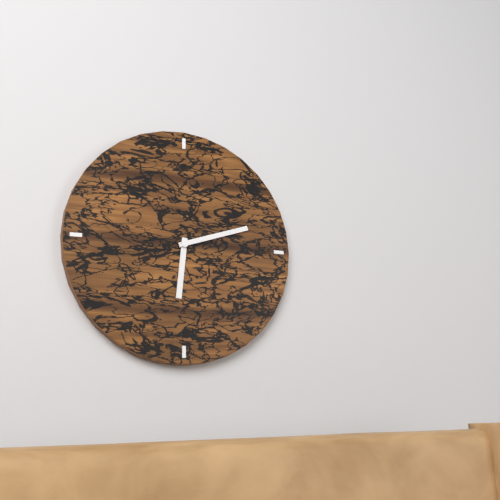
6:12
